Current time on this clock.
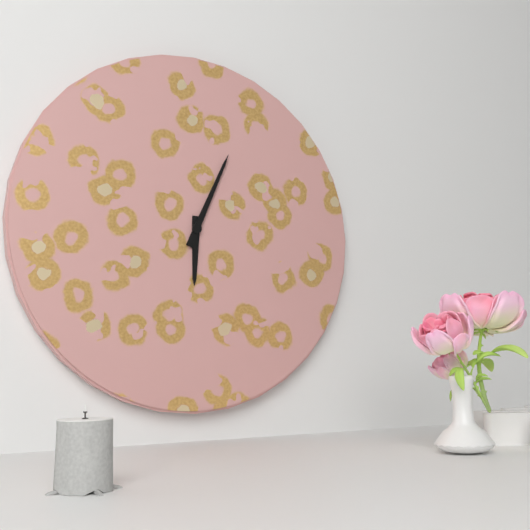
6:04
